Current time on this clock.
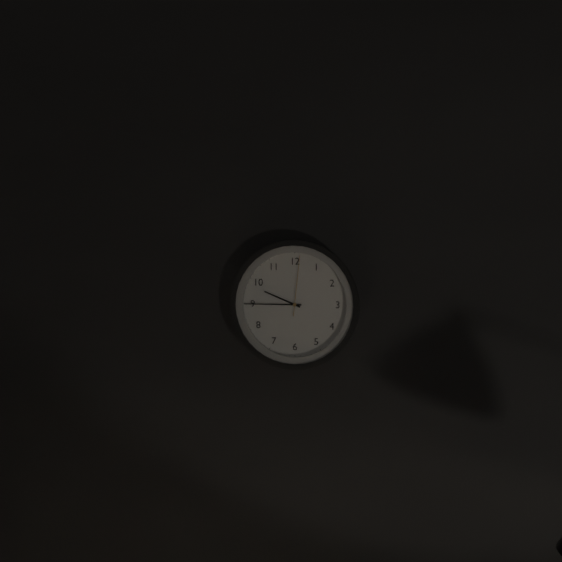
9:45:01
